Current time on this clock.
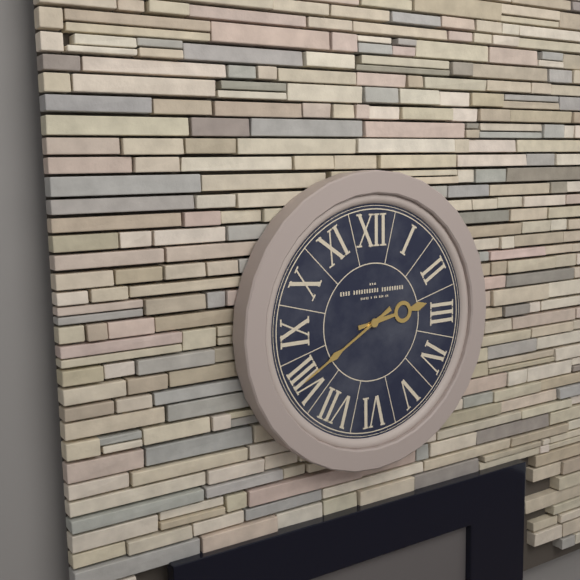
2:40
